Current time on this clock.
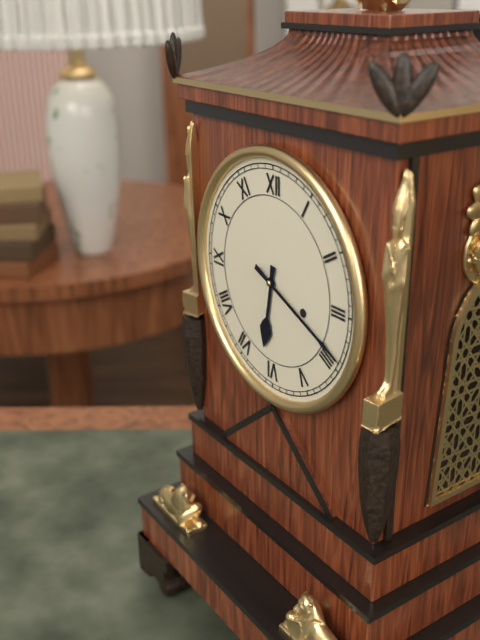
6:19
